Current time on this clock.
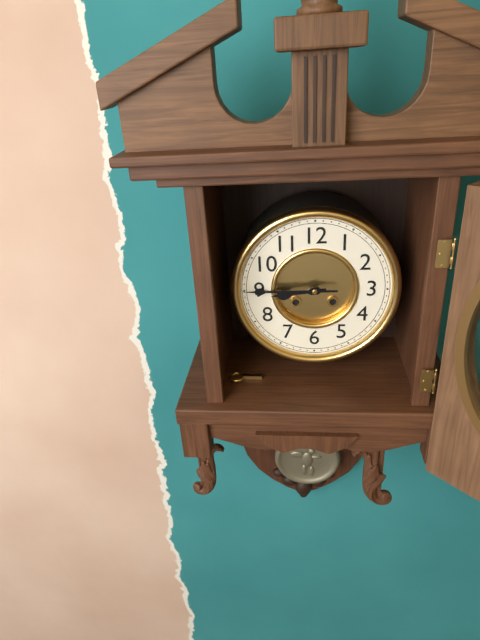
8:45
